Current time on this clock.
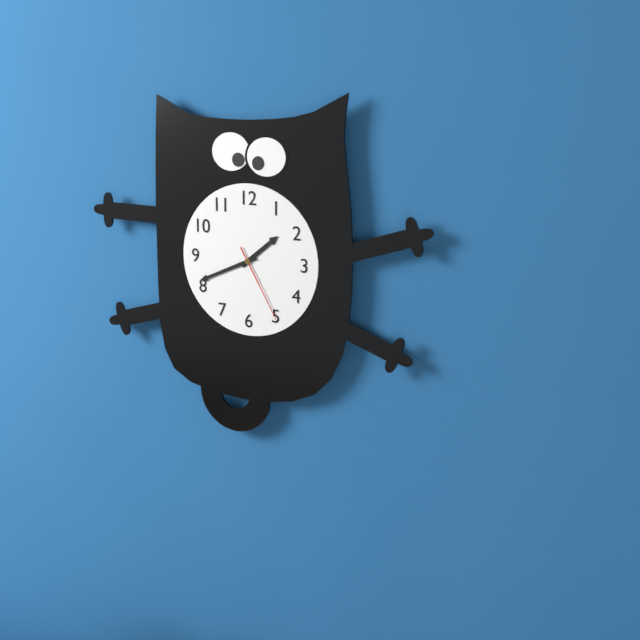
1:41:25
